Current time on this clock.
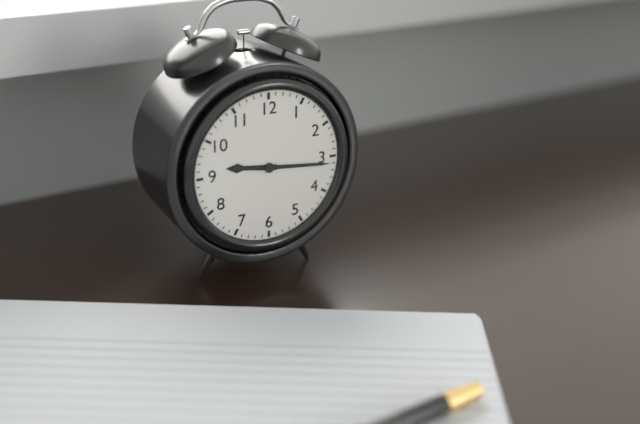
9:16
